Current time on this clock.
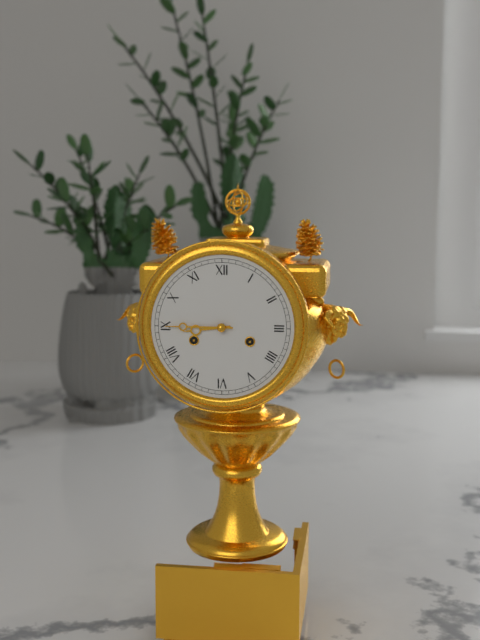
8:45
